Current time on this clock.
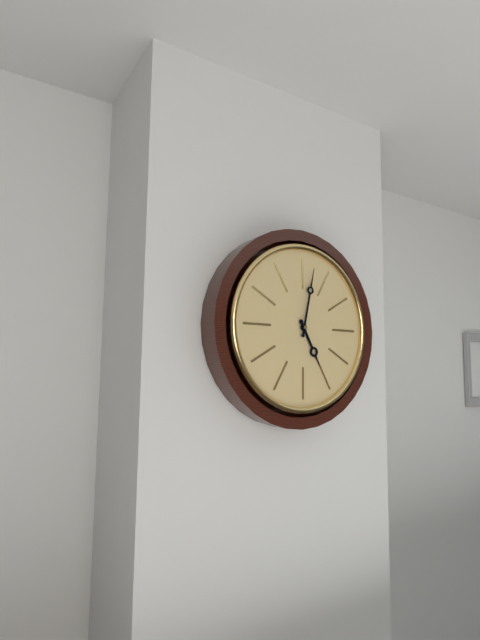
5:02
